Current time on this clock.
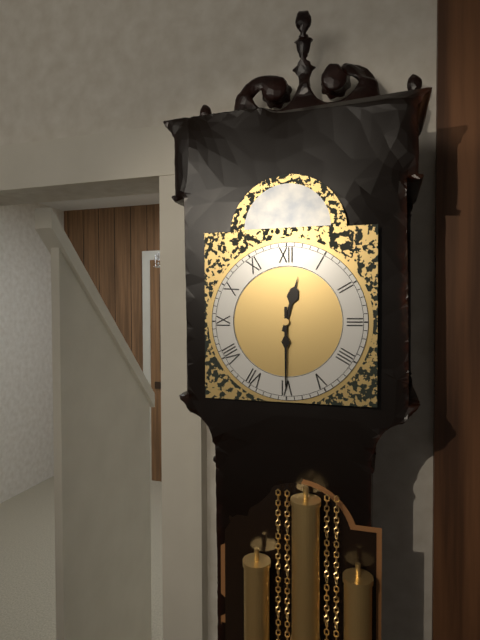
12:30
